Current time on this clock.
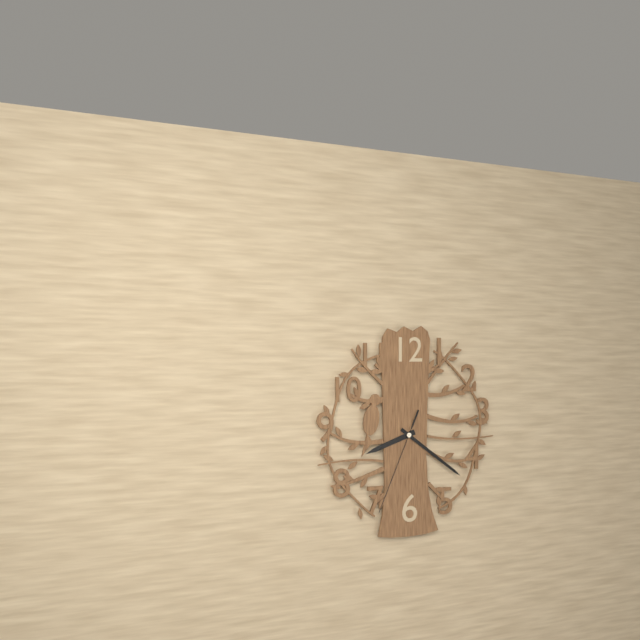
8:21:34
